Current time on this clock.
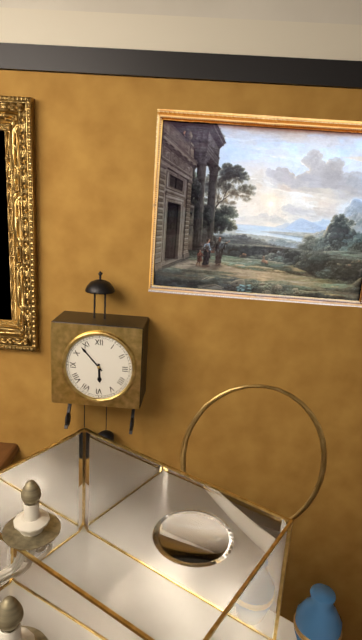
5:53
